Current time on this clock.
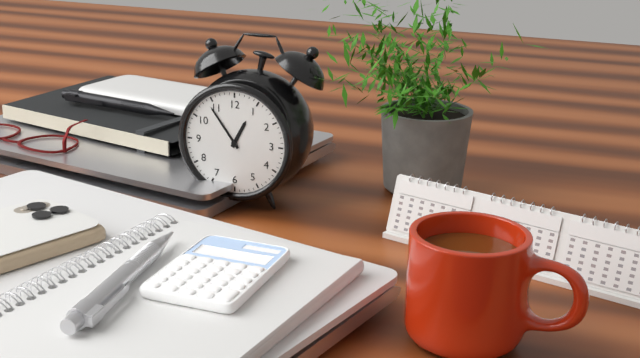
12:54
